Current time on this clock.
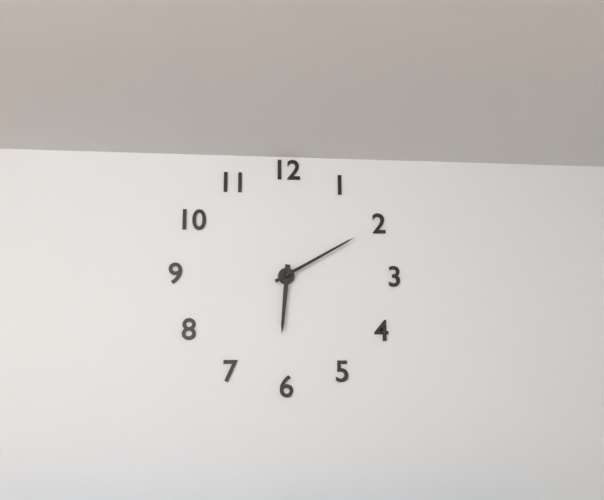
6:10
